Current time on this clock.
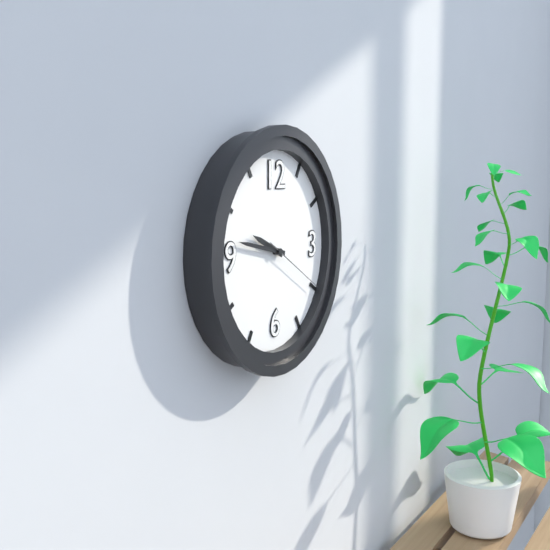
9:47:20
